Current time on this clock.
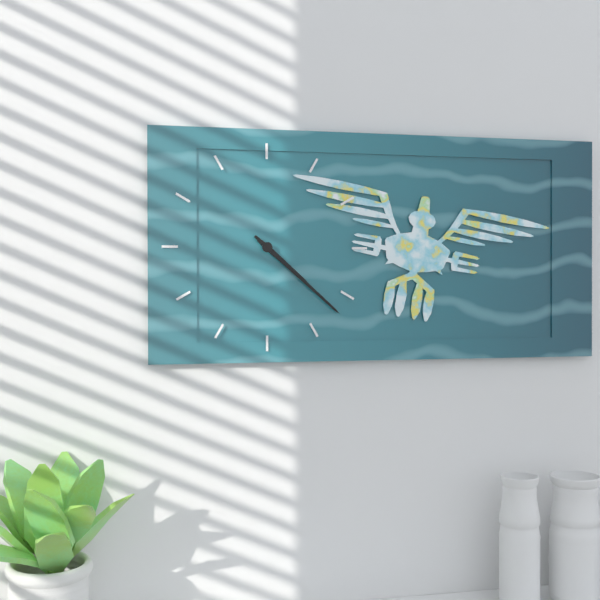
4:22
